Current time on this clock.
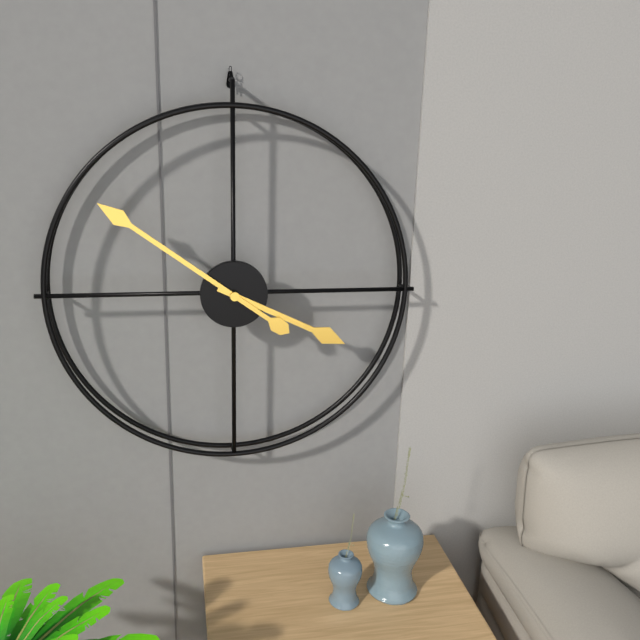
3:51
